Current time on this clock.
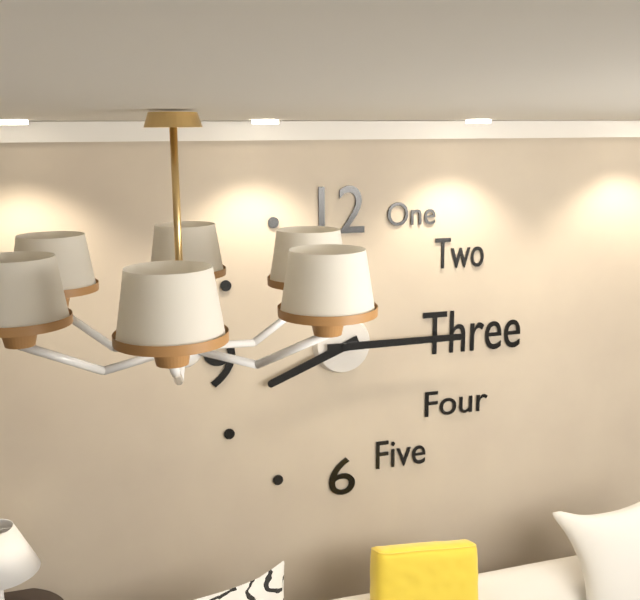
8:15
